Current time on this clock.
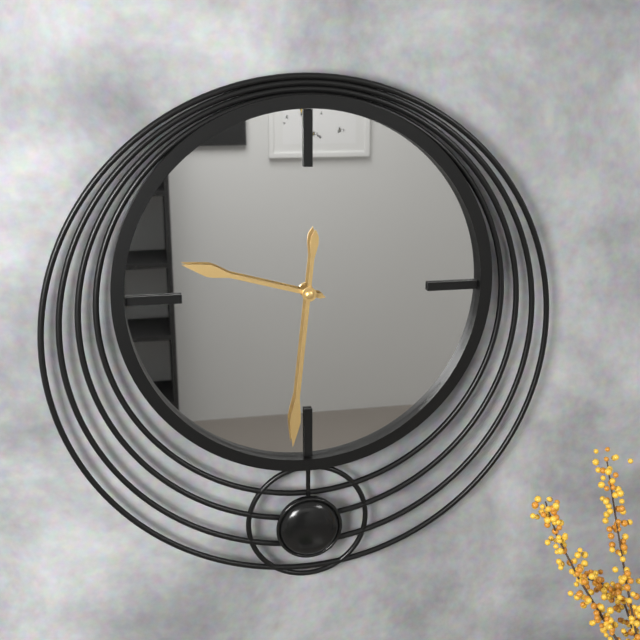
9:31
